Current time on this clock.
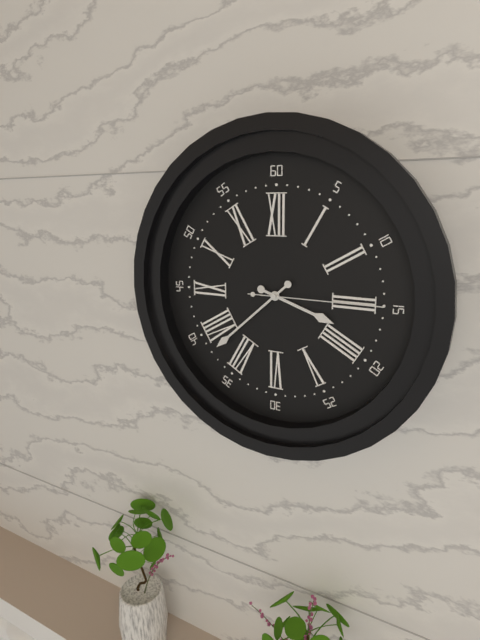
3:38:15
